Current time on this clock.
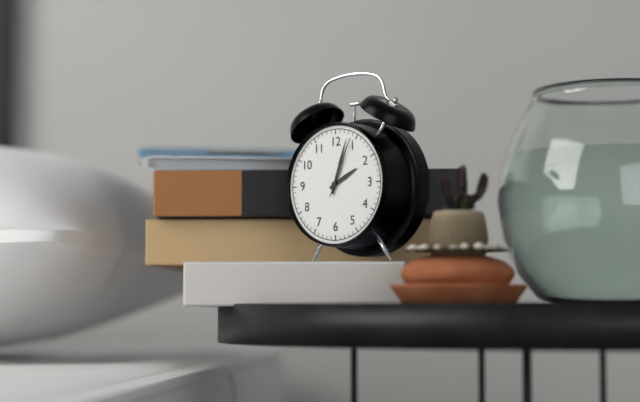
2:03:04
